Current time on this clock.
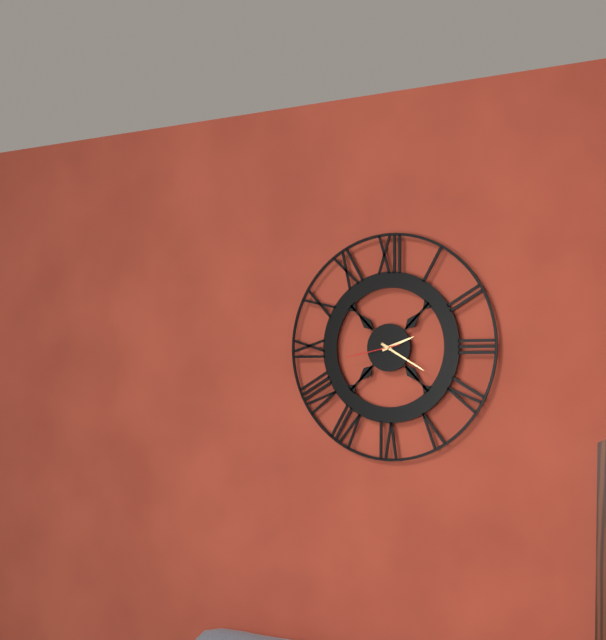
2:20:43
